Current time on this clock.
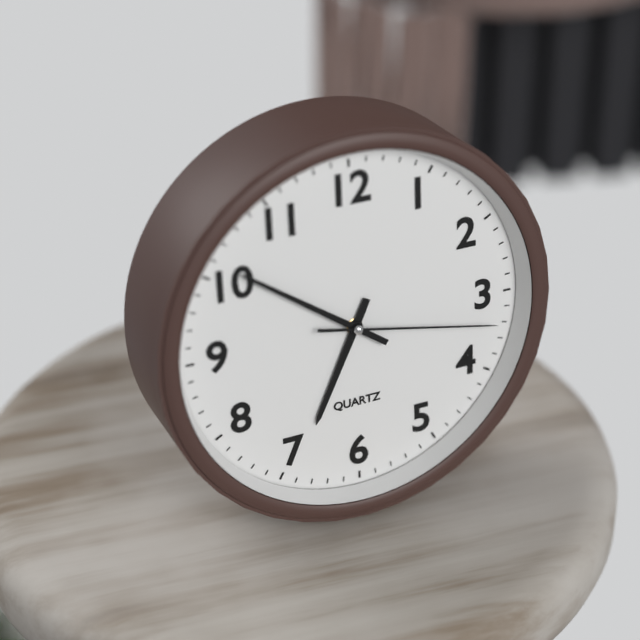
6:51:17
